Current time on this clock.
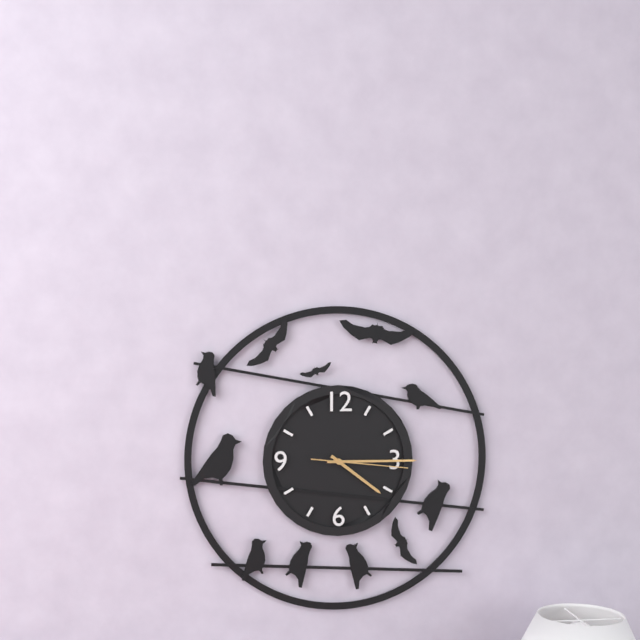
4:15:16
